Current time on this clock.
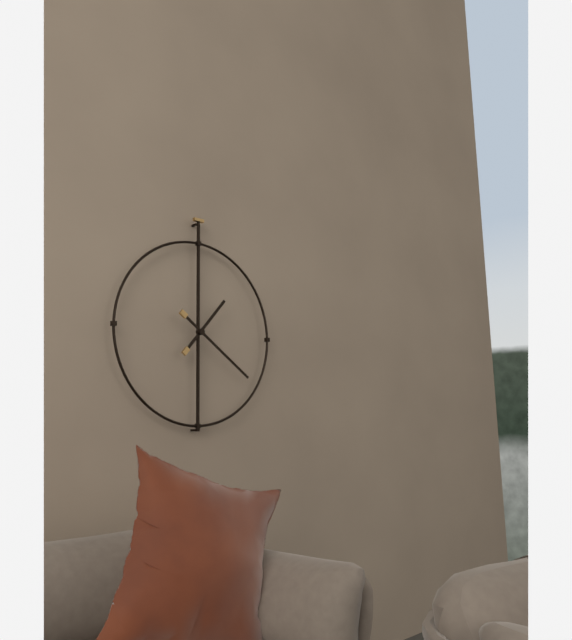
1:21
